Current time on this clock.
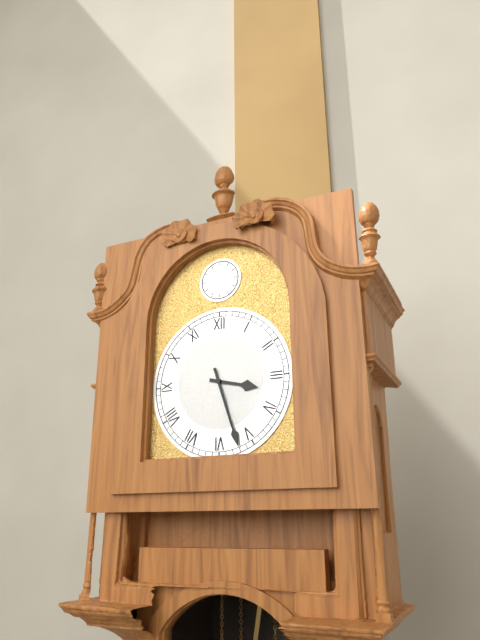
3:27
